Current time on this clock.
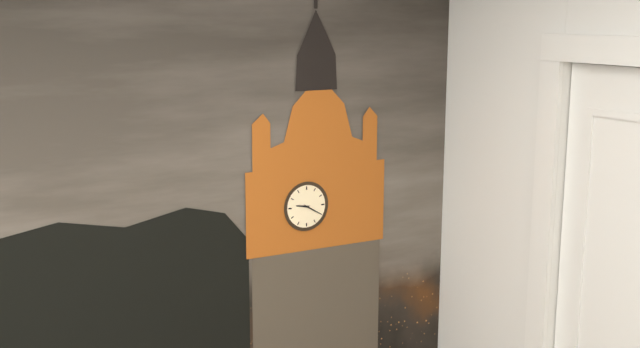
9:20
